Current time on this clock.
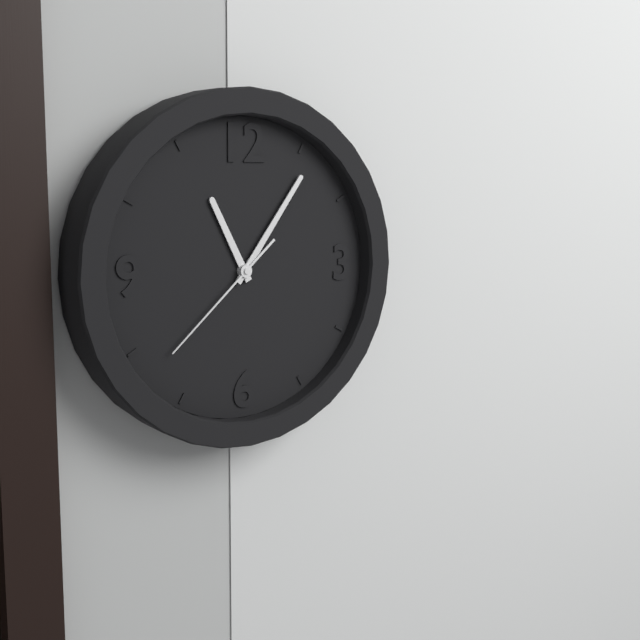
11:06:38
